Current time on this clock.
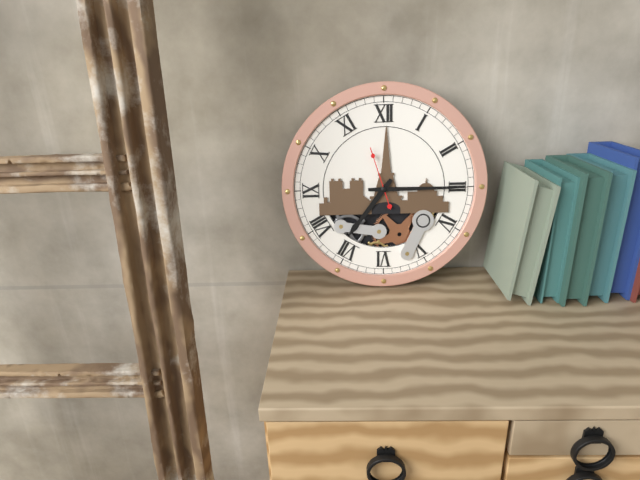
7:15:57
